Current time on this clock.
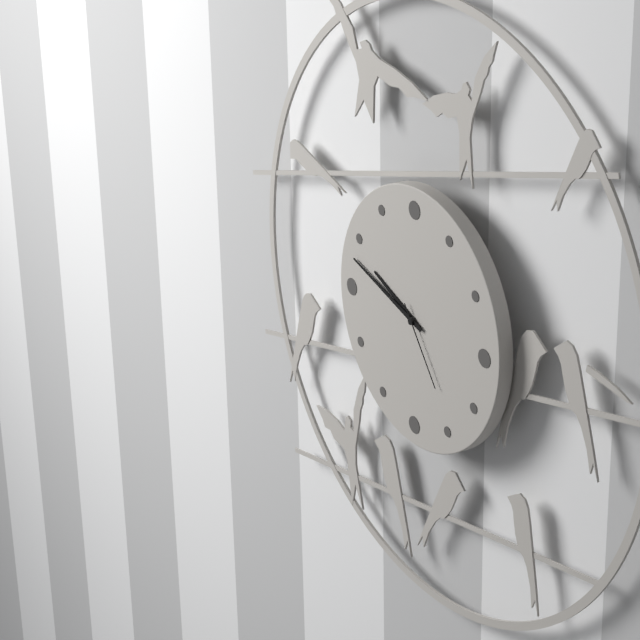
9:48:24
